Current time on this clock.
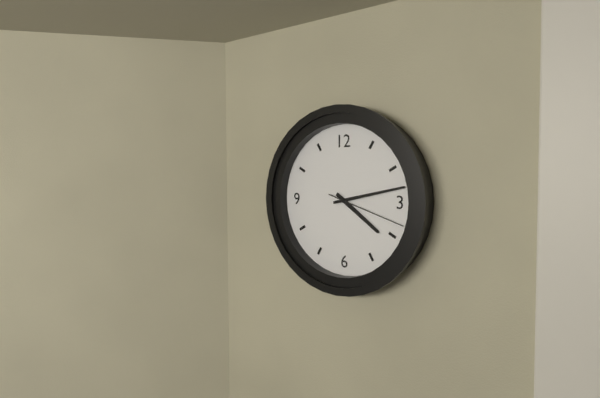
4:13:18
